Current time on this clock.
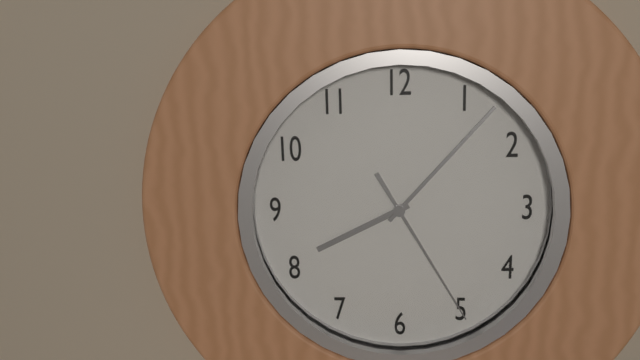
8:07:25
